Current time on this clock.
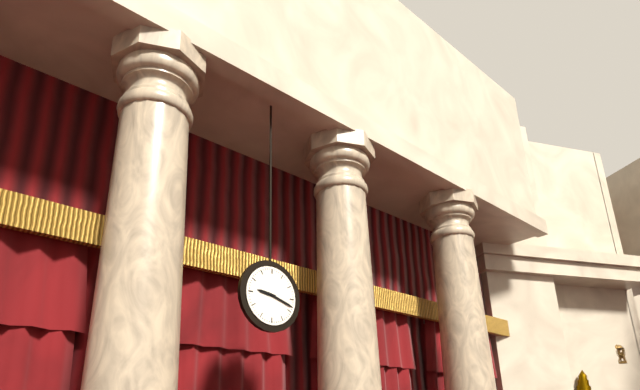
9:18
